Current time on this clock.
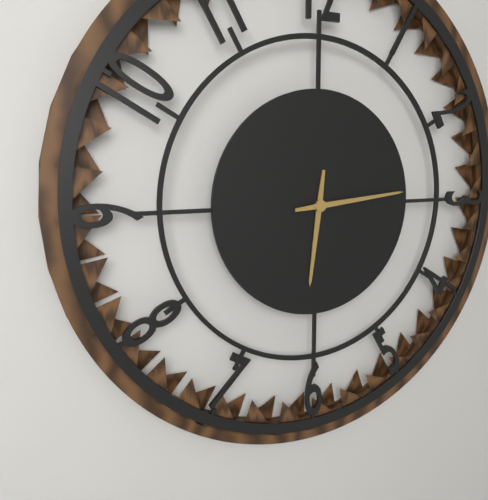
6:14
